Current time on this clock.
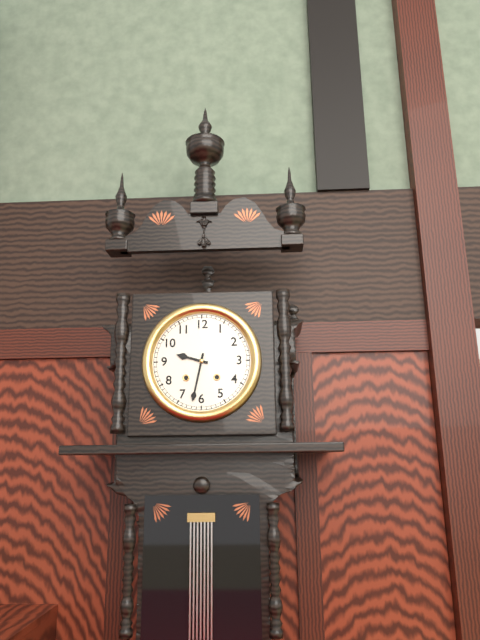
9:32
